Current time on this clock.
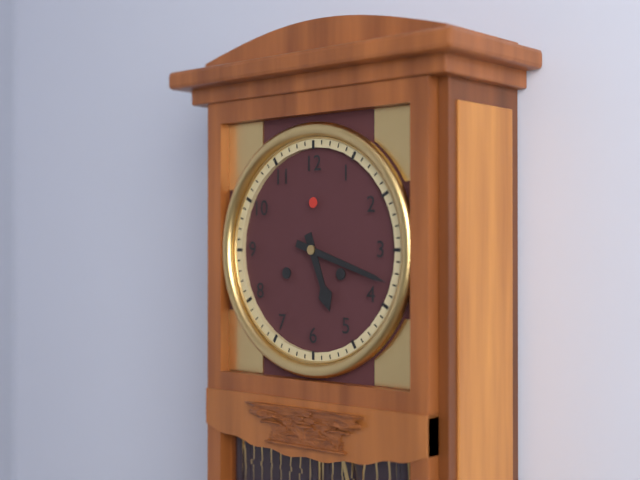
5:18
